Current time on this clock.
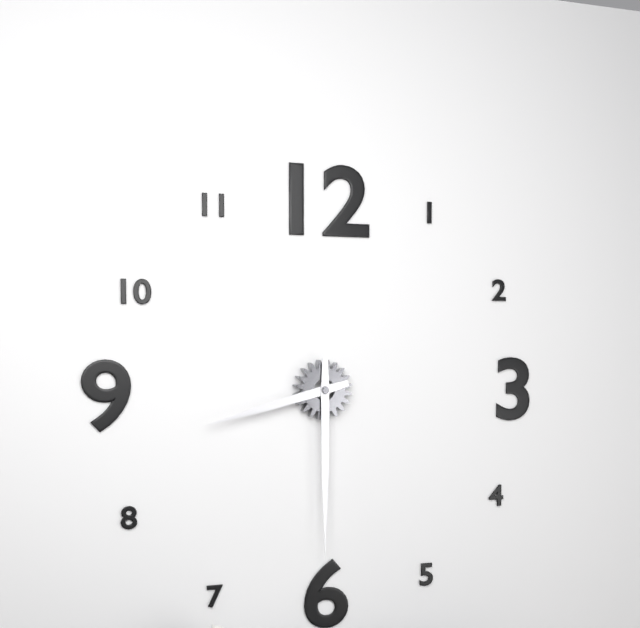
8:30
